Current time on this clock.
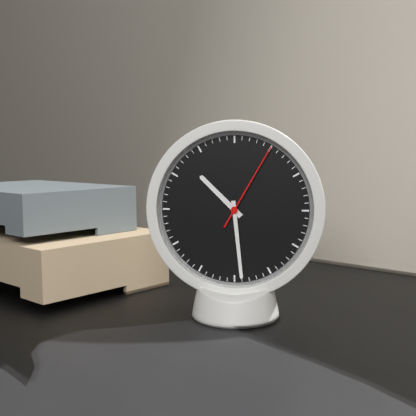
10:29:05
